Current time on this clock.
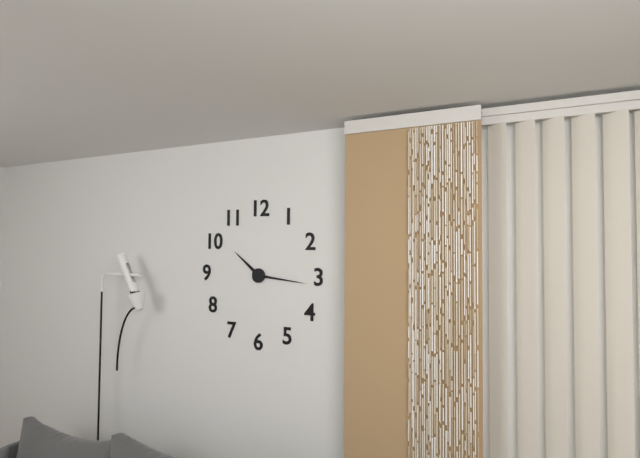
10:16
